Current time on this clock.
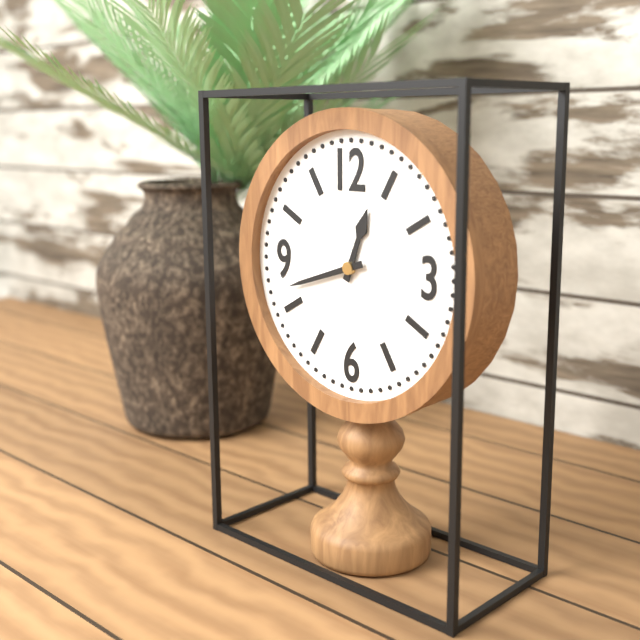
12:42
